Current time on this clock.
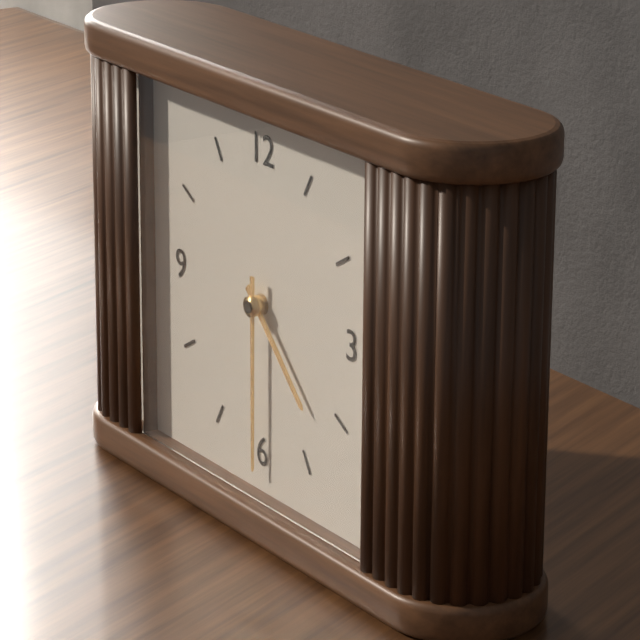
4:30
